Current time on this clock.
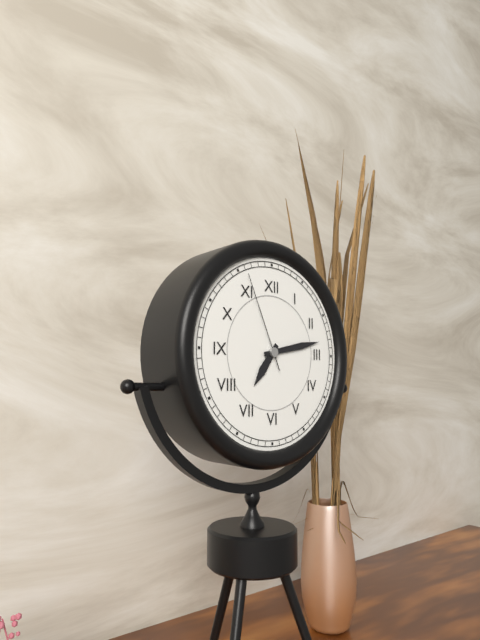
7:13:56
